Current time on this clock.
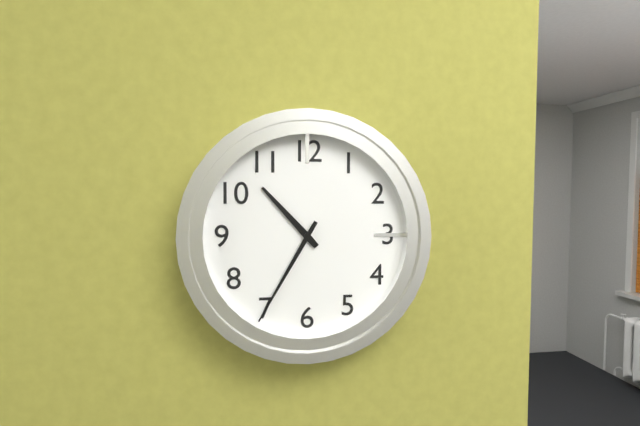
10:35
